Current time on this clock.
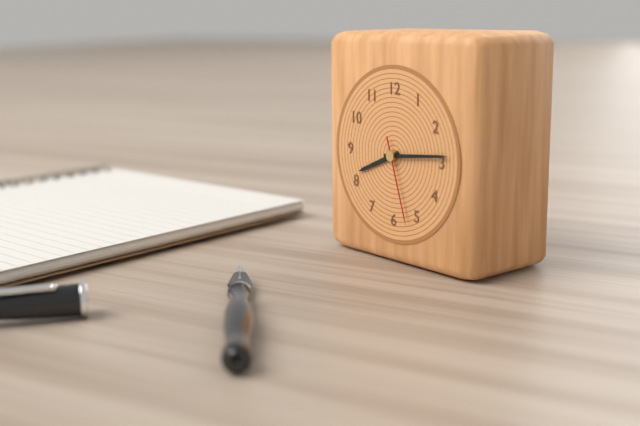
8:14:27
